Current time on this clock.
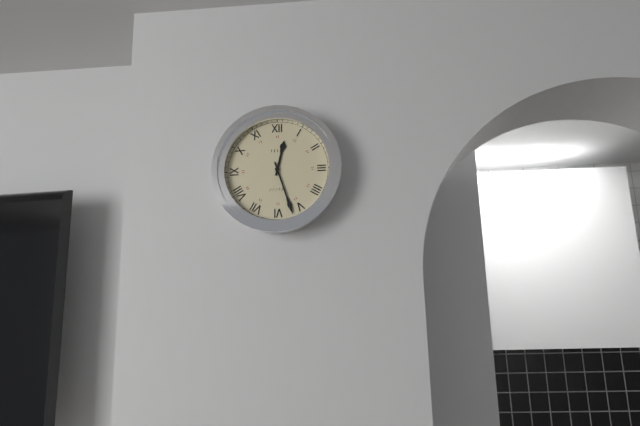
12:27
